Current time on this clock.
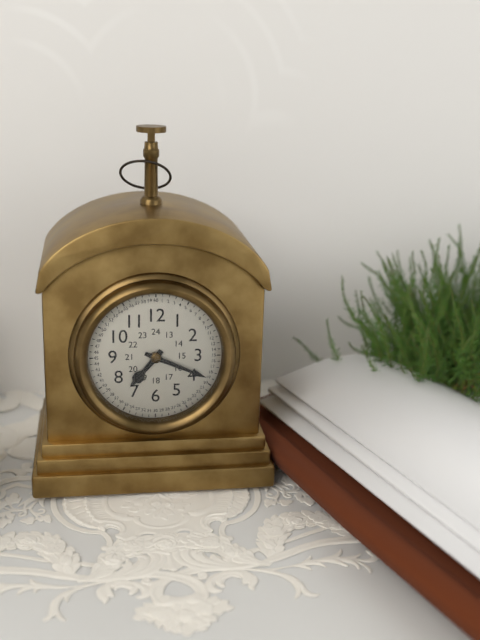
7:19
